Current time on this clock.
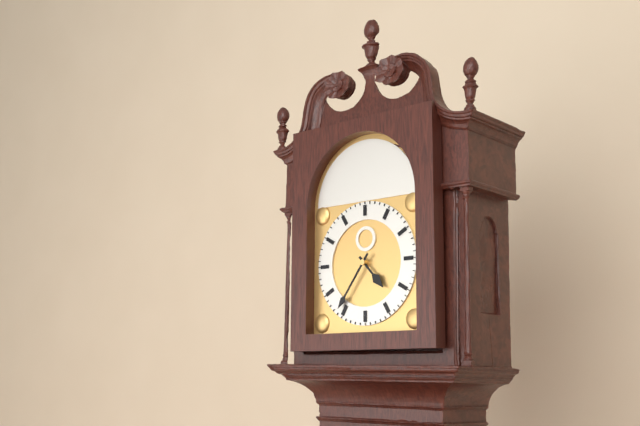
4:36
